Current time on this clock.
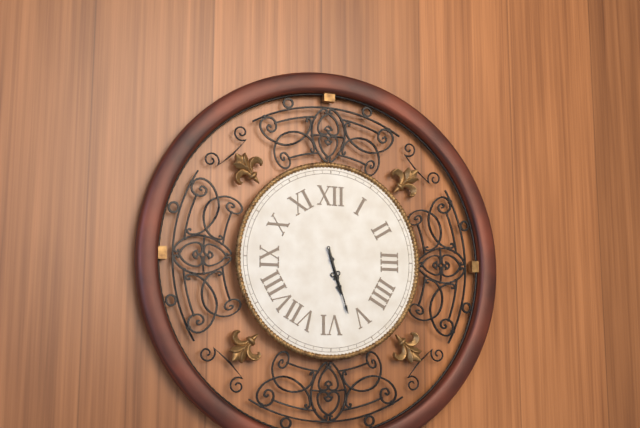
5:27
